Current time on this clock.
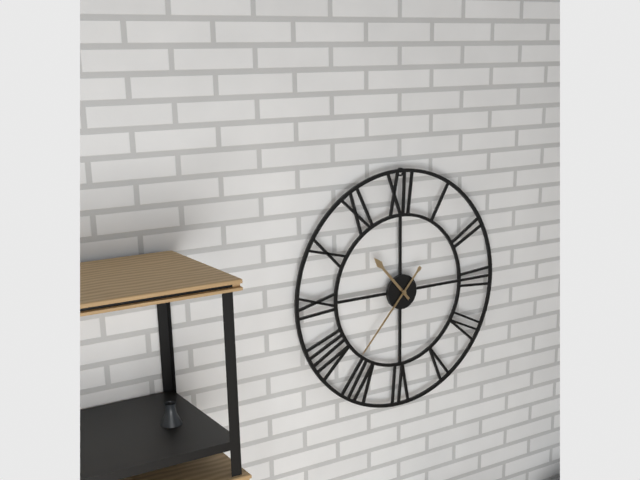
10:37
